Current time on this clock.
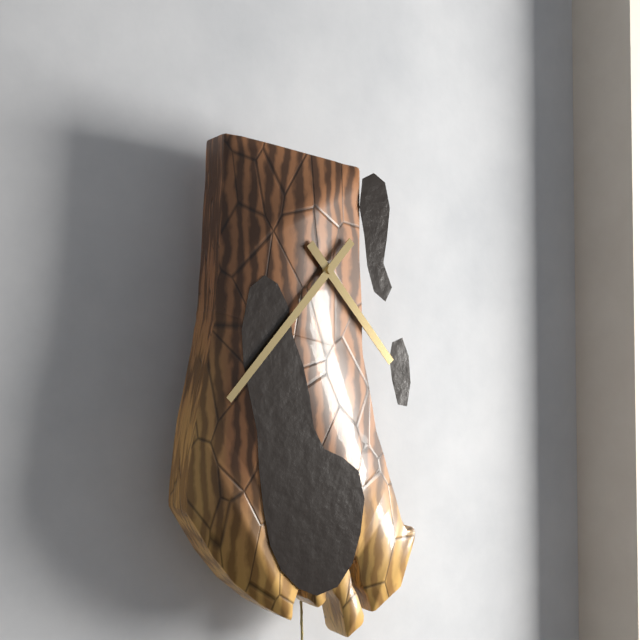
4:37
